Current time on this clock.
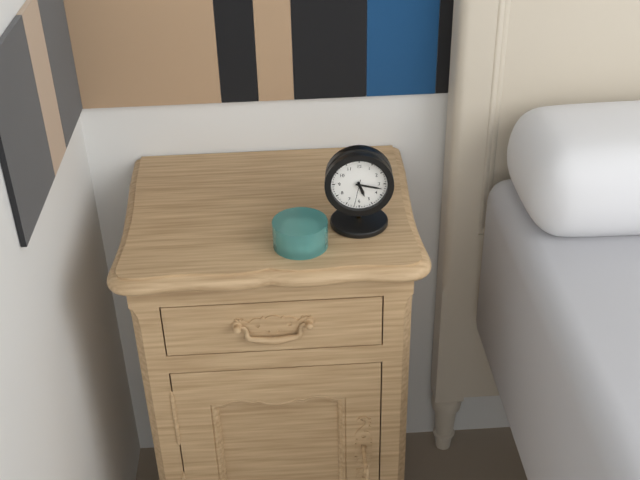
5:17
